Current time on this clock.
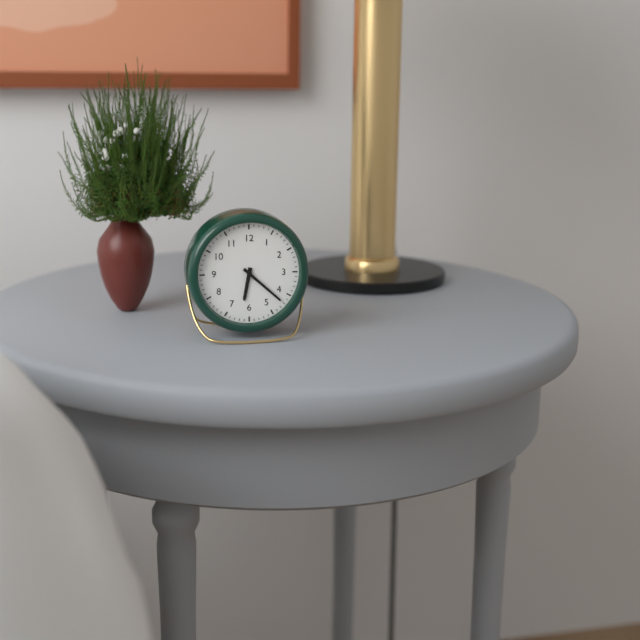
6:22
